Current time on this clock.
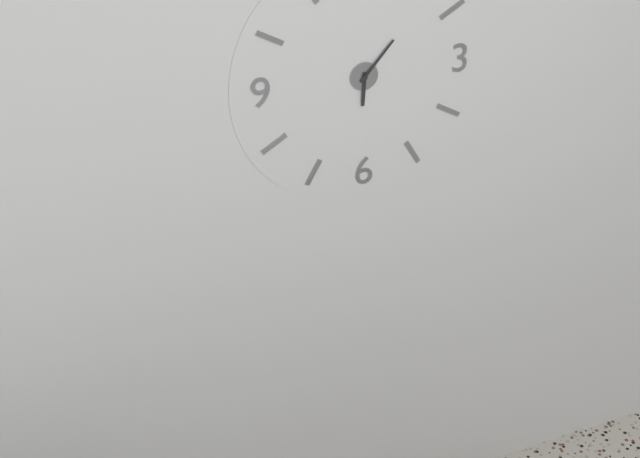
6:07
